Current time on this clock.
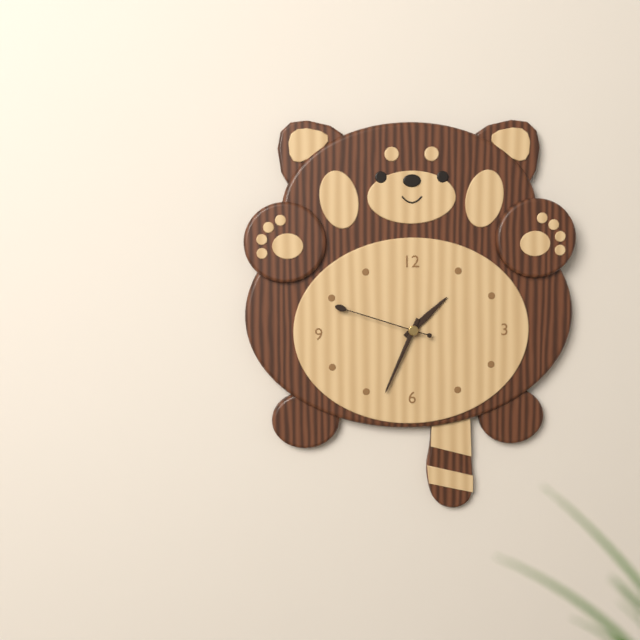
1:34:48
